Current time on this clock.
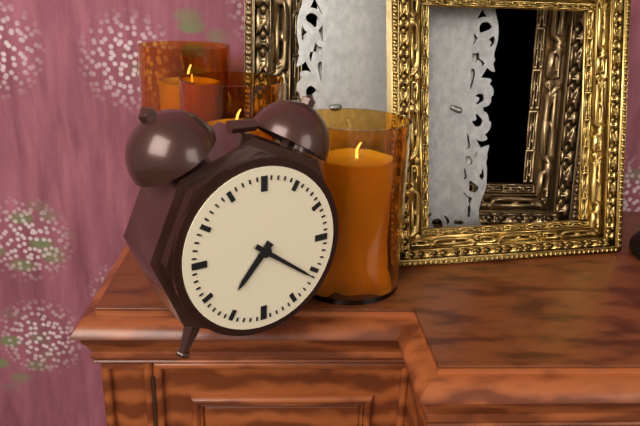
7:21
